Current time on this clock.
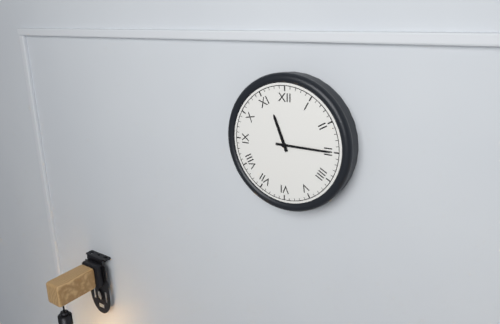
11:15
